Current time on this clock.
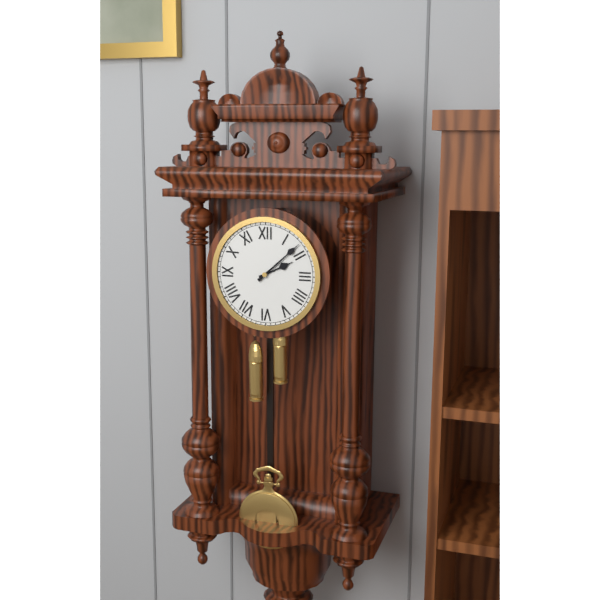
2:08
